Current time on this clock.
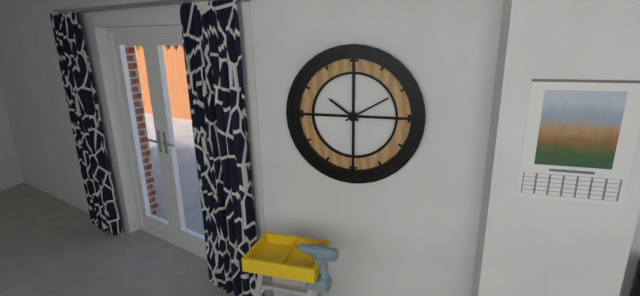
10:10
